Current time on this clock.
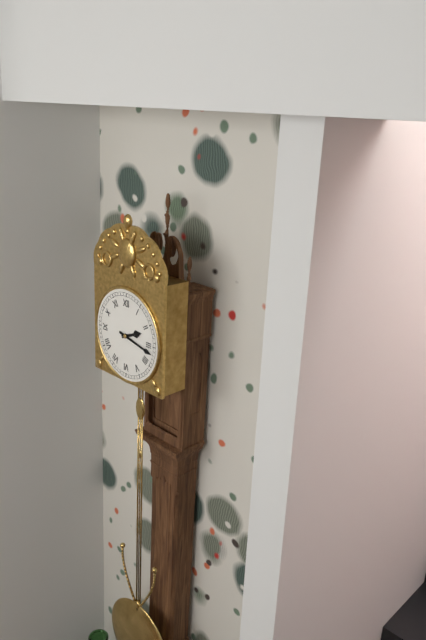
2:17
